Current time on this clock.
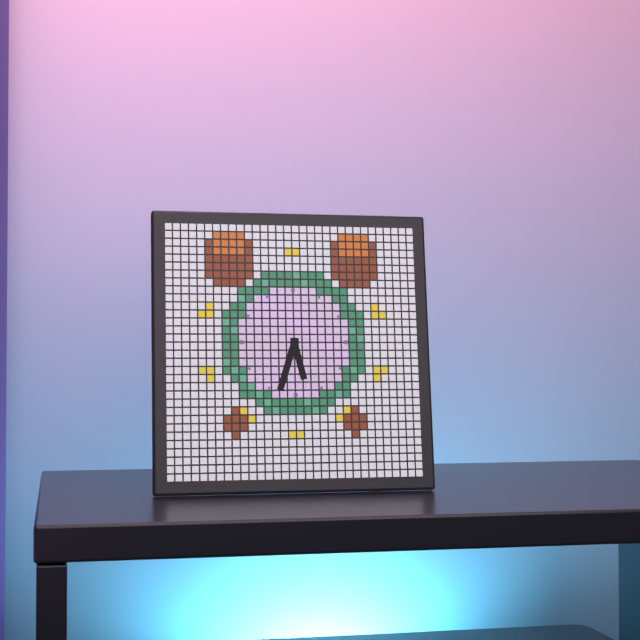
5:33
